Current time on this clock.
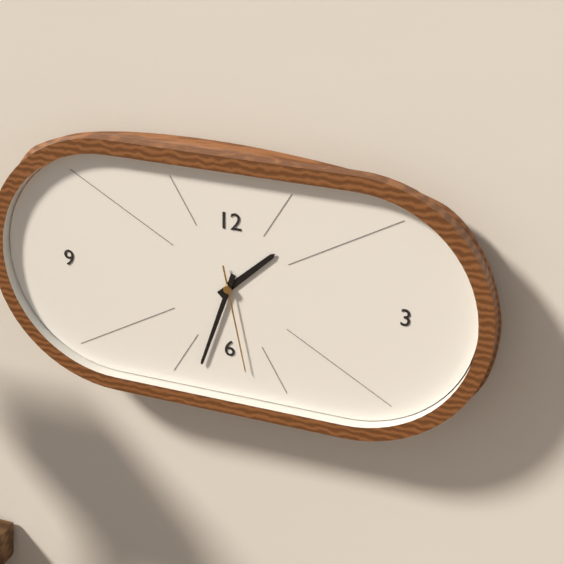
1:33:28
